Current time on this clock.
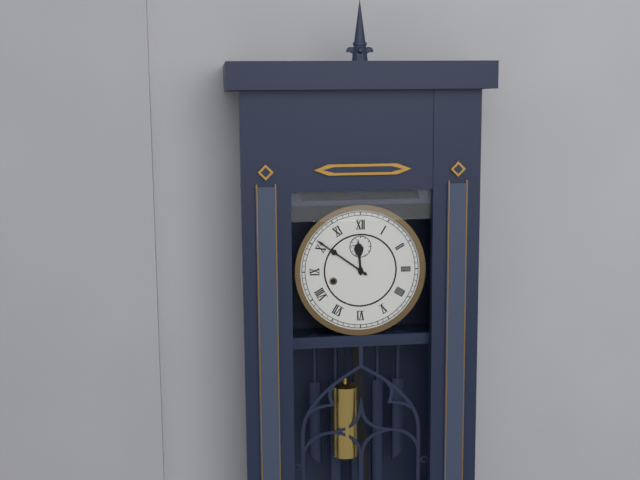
11:51
